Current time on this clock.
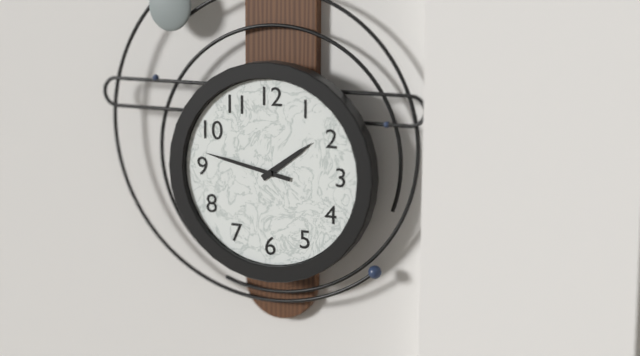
1:47
